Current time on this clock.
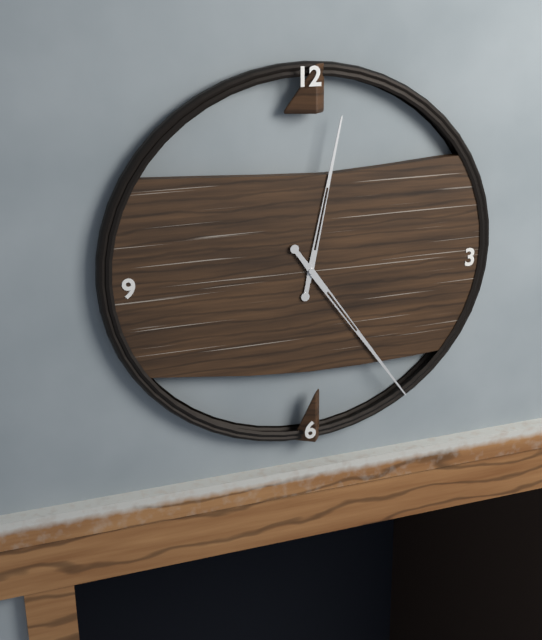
12:24
